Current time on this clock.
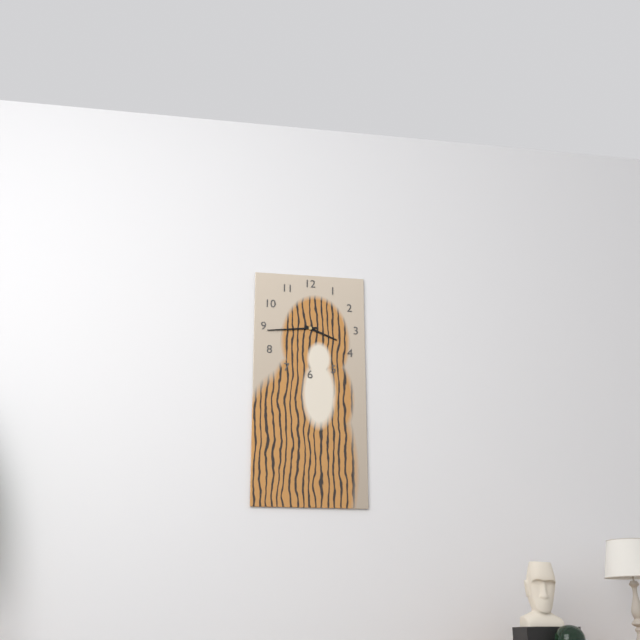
3:44
